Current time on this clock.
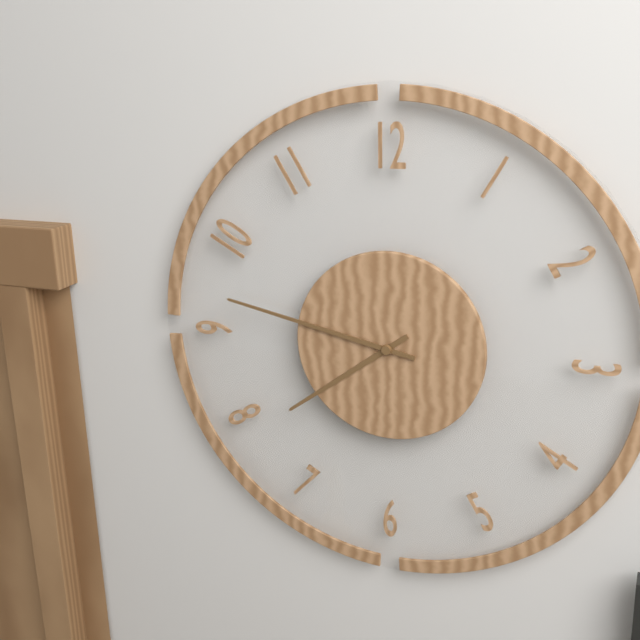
7:47
